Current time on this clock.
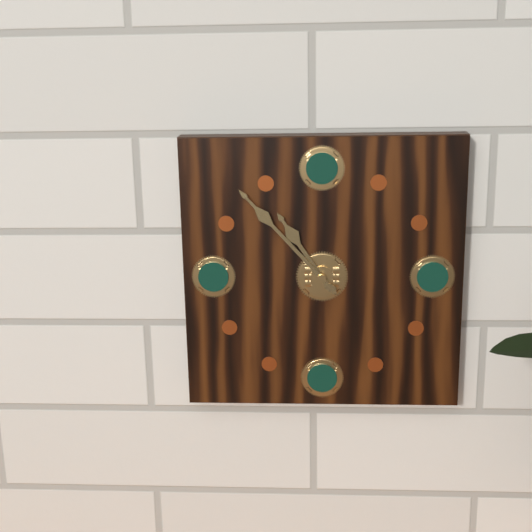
10:53
